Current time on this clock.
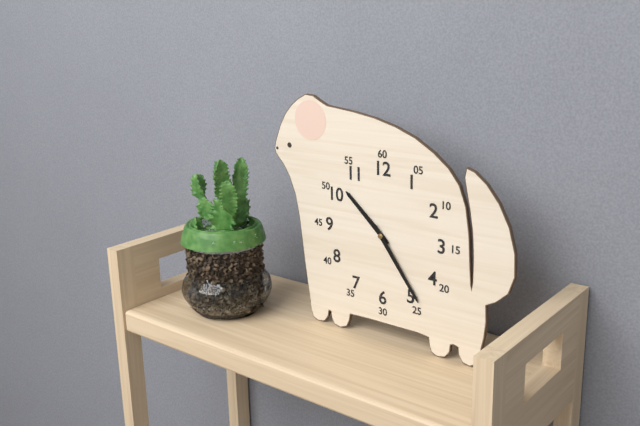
10:24
